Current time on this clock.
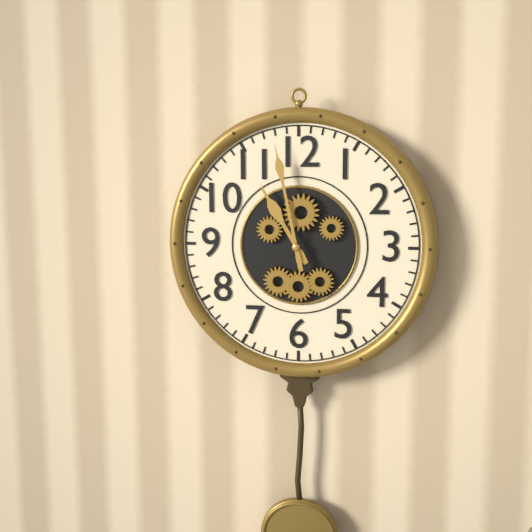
10:58
